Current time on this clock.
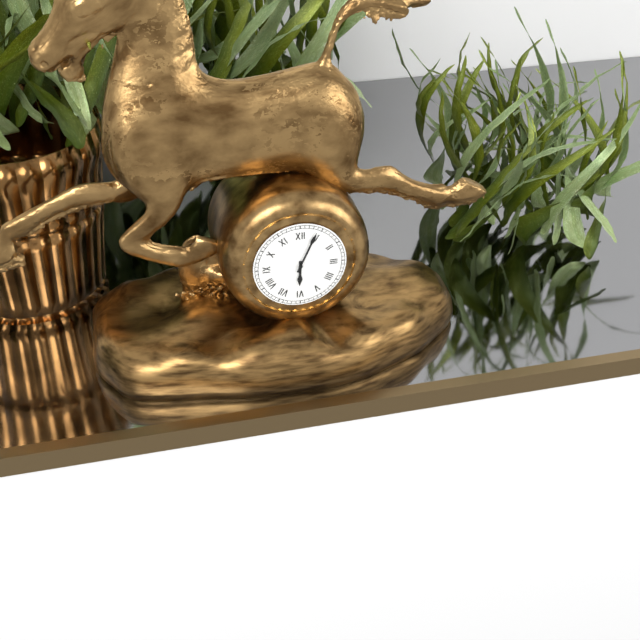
6:04
